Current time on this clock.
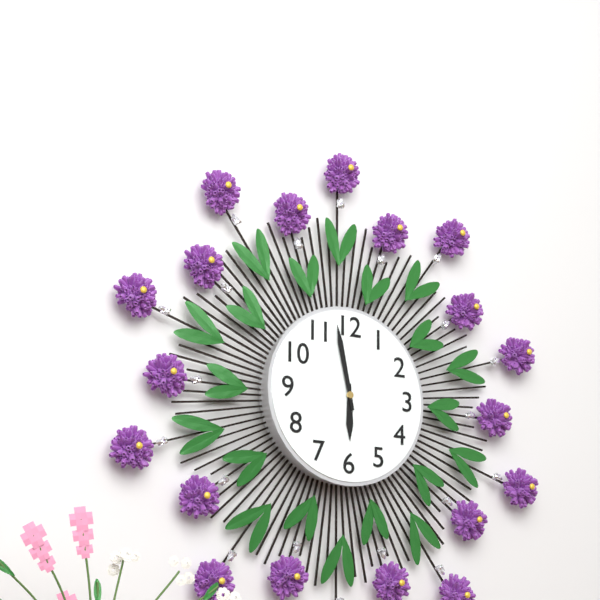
5:58
